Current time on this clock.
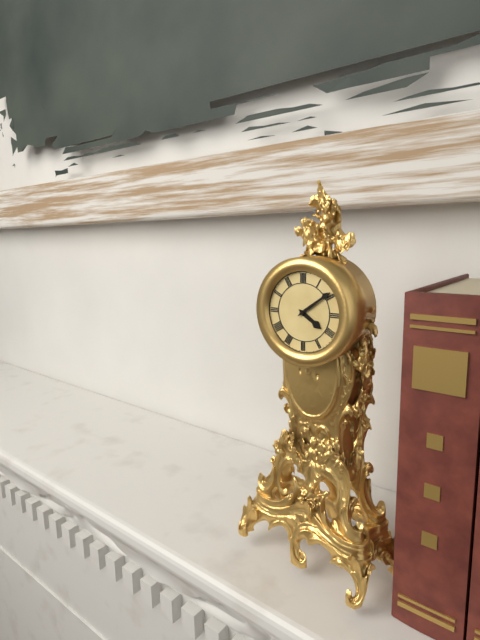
4:09
